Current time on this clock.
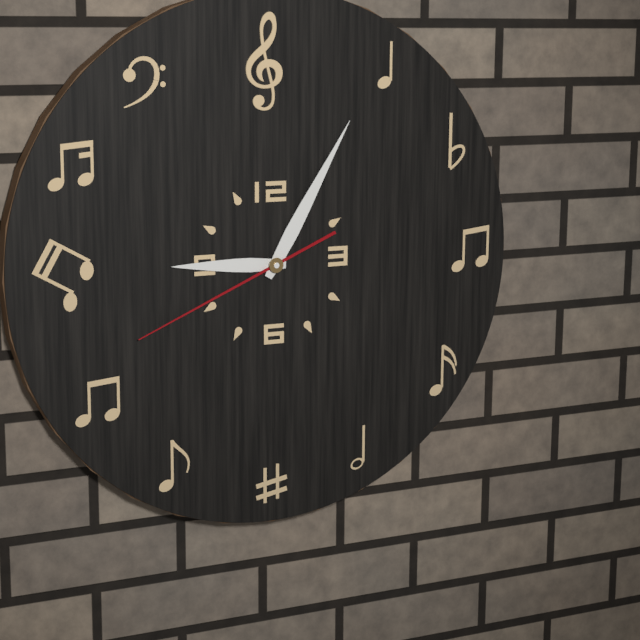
9:05:41
